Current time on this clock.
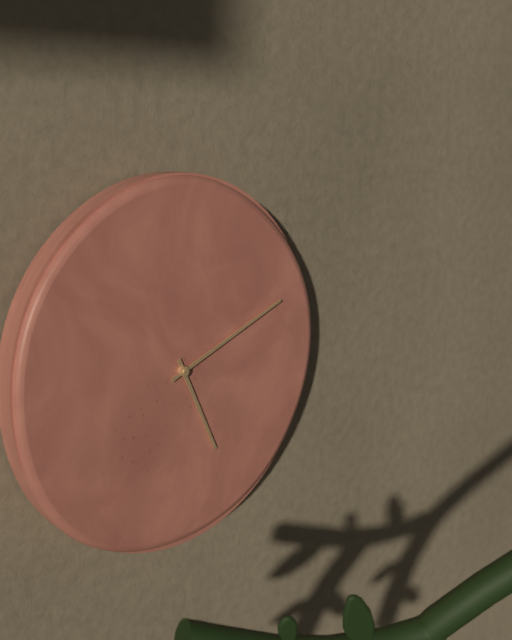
5:11
